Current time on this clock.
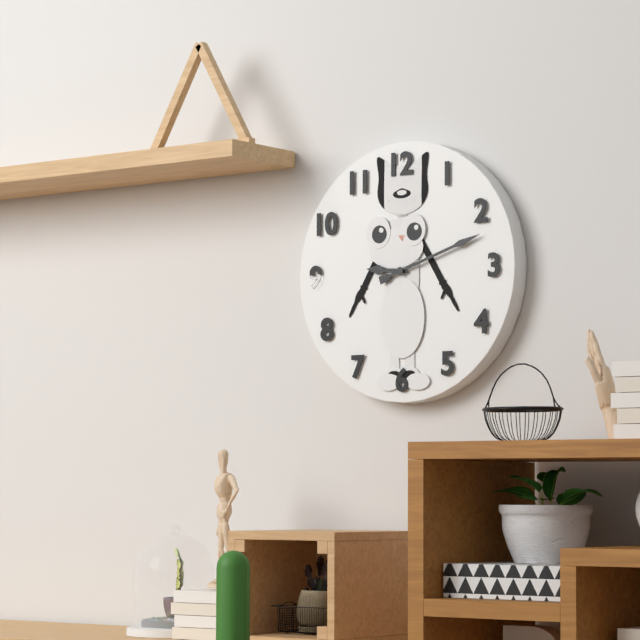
9:12
